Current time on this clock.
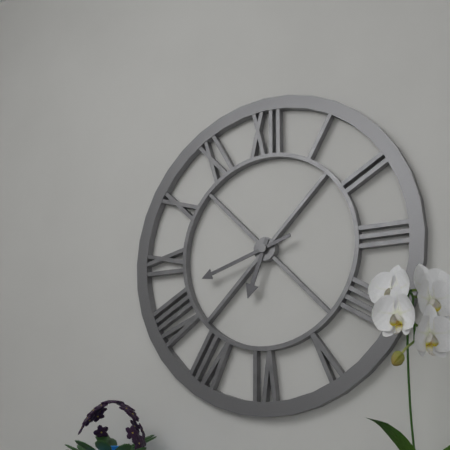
6:42
